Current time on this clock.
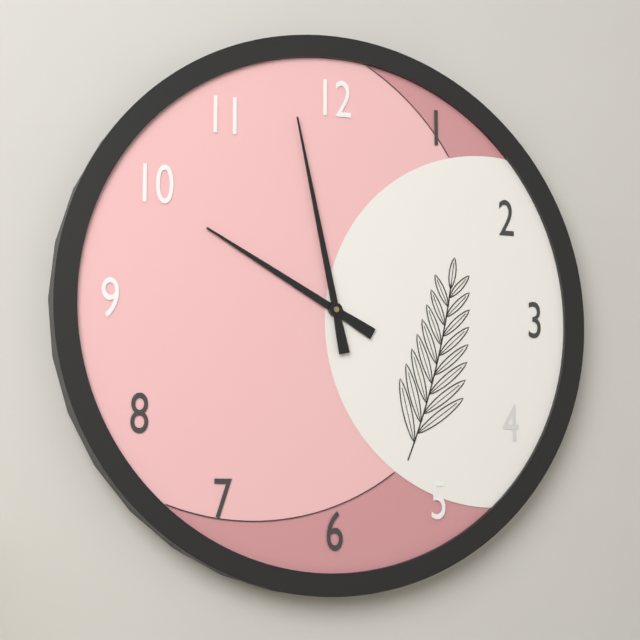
9:58
